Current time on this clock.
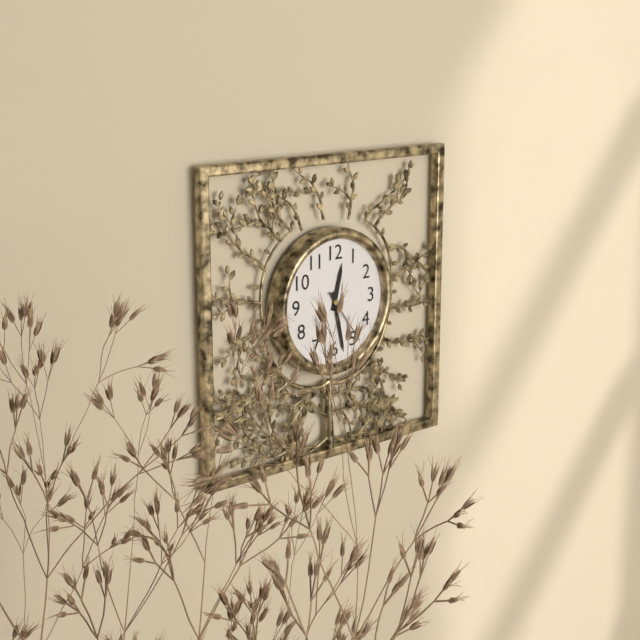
12:28:24
